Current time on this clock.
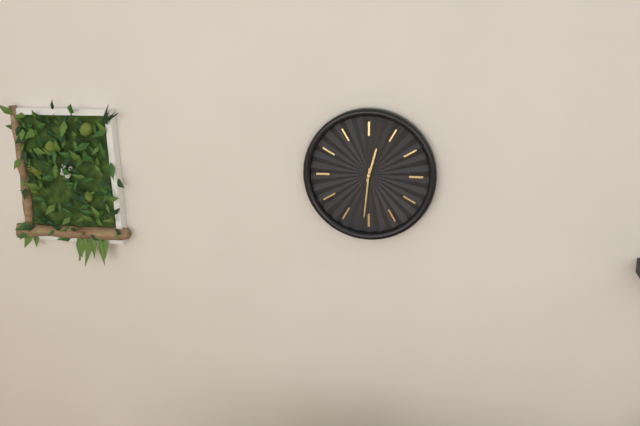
12:31
